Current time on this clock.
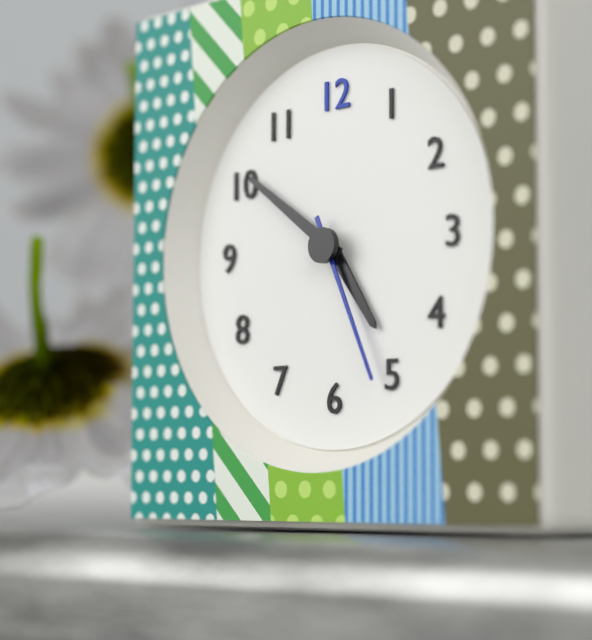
4:51:26
